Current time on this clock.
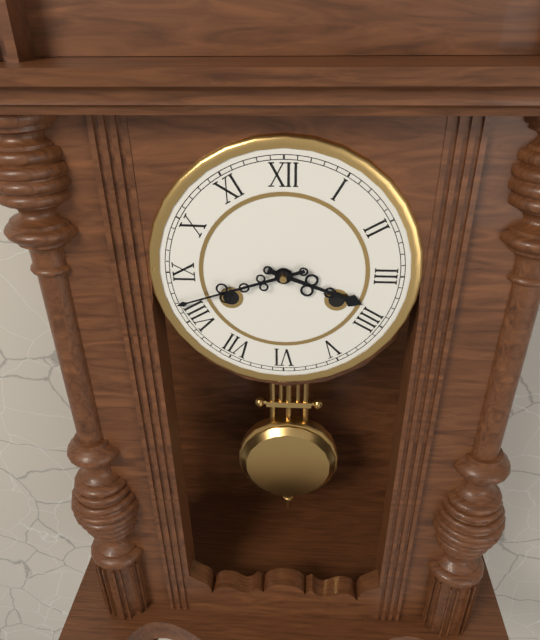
3:42
